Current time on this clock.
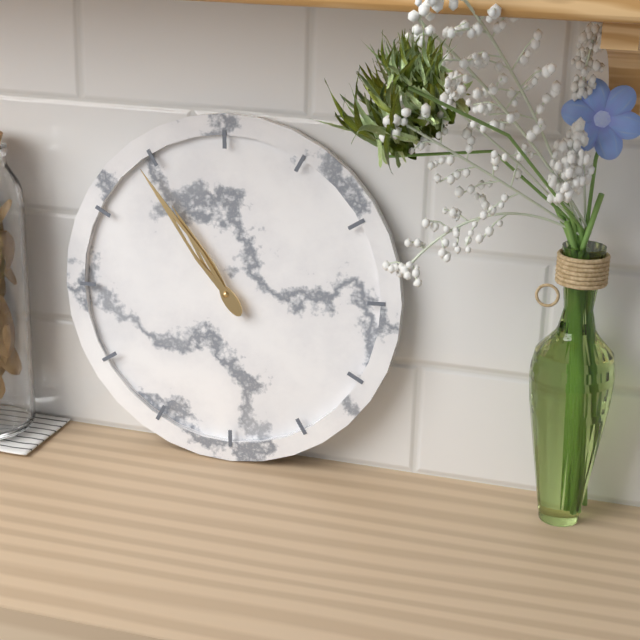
10:54
